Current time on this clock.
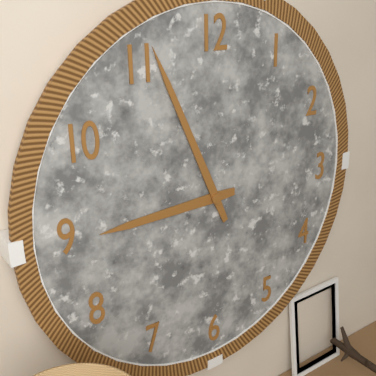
8:56
